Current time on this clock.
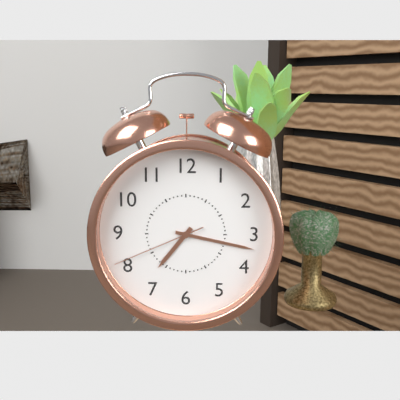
7:17:41
